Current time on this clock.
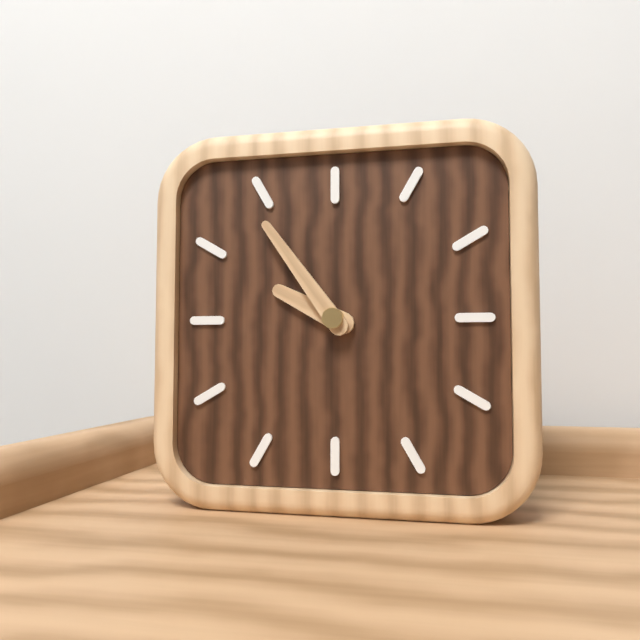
9:54
